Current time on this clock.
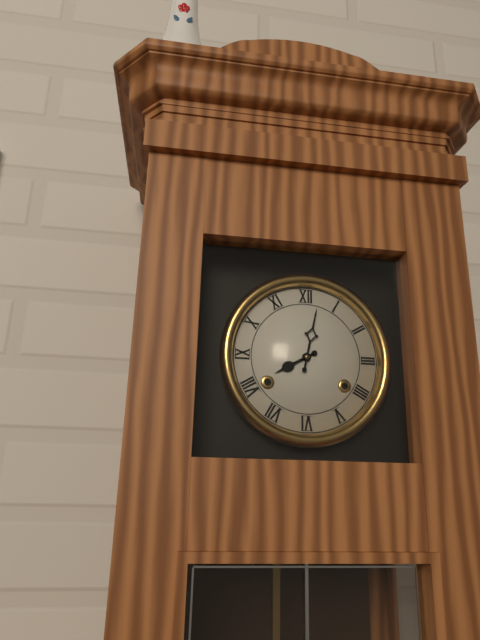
8:02
